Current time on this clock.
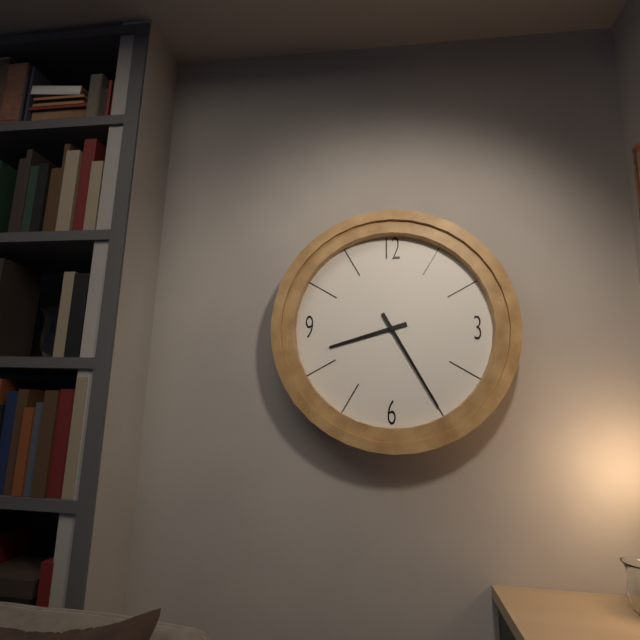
8:25
